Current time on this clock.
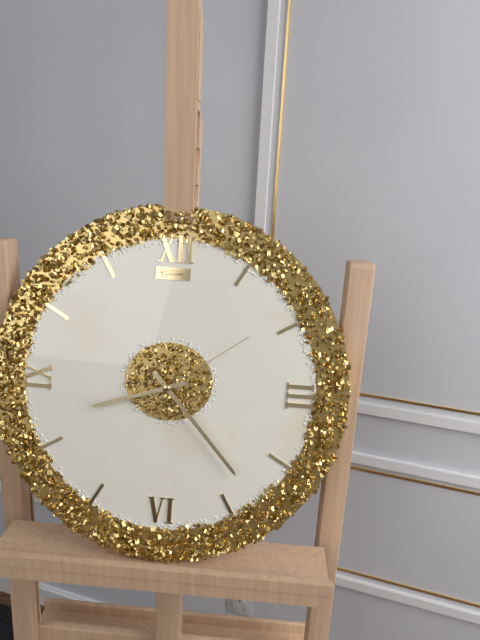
8:23:09
